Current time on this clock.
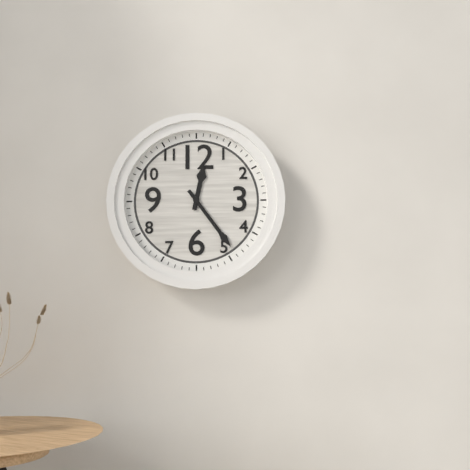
12:24
